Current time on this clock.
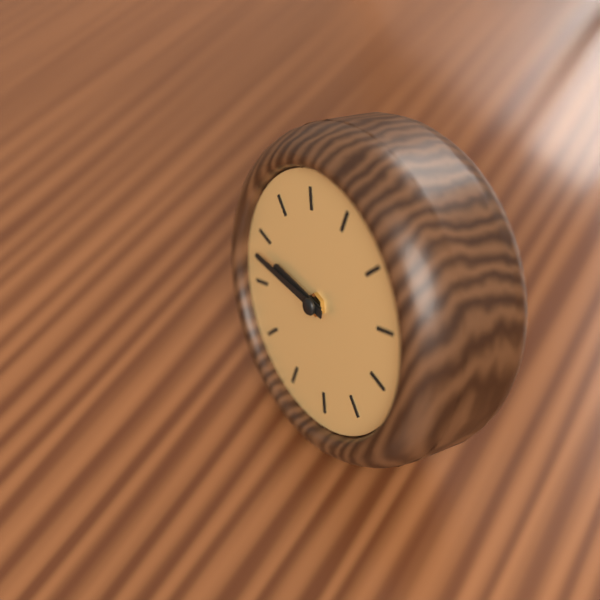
8:43
